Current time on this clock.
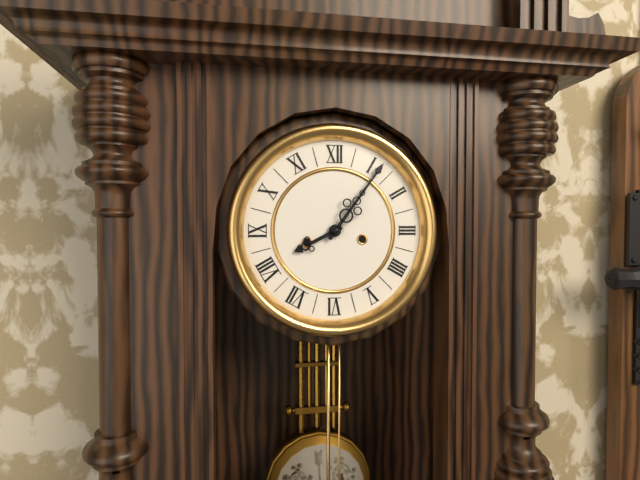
8:06
